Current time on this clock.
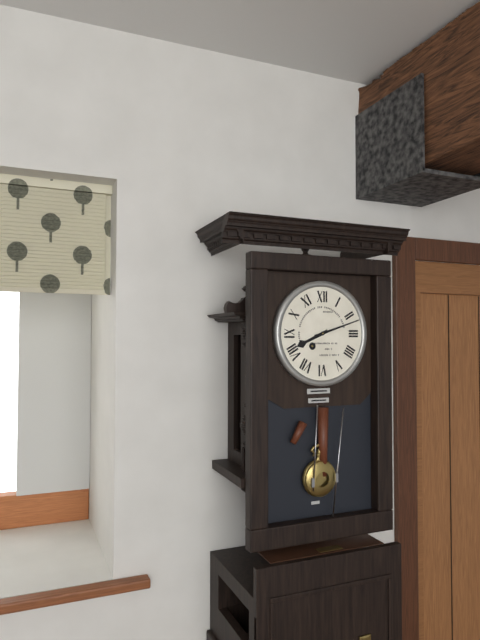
8:12
